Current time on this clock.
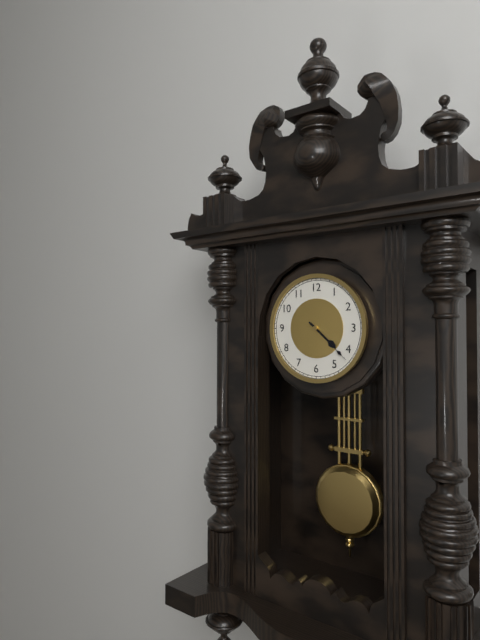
4:22
